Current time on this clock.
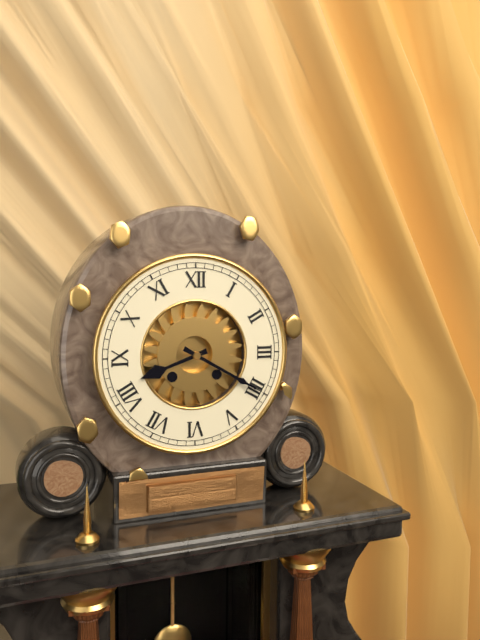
8:20
